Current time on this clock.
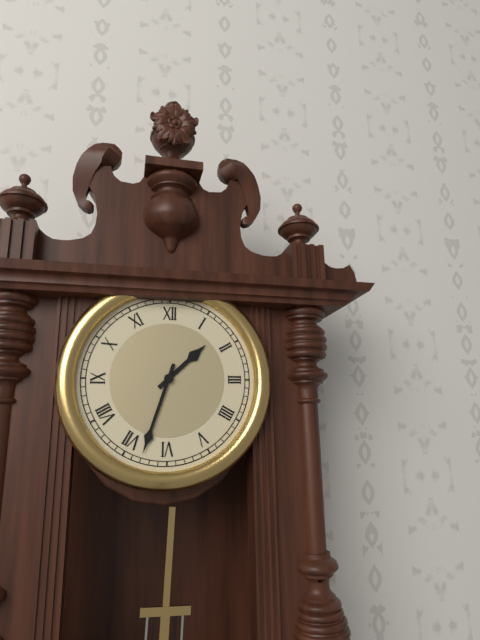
1:33
